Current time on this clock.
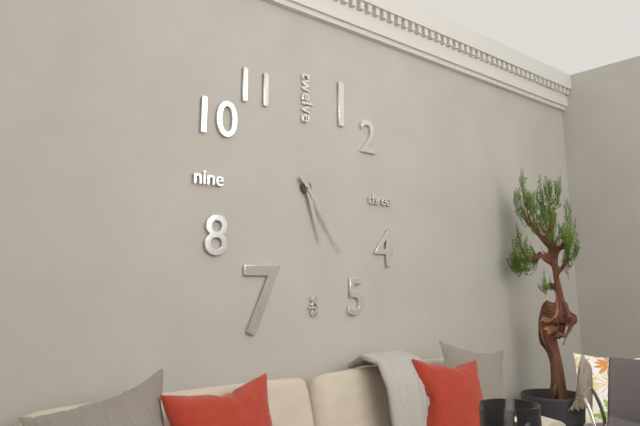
5:24
